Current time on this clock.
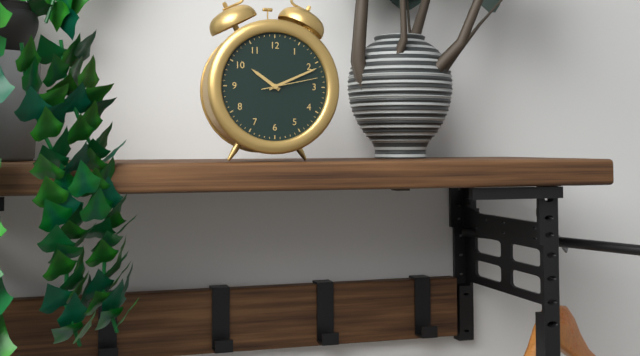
10:11:13
